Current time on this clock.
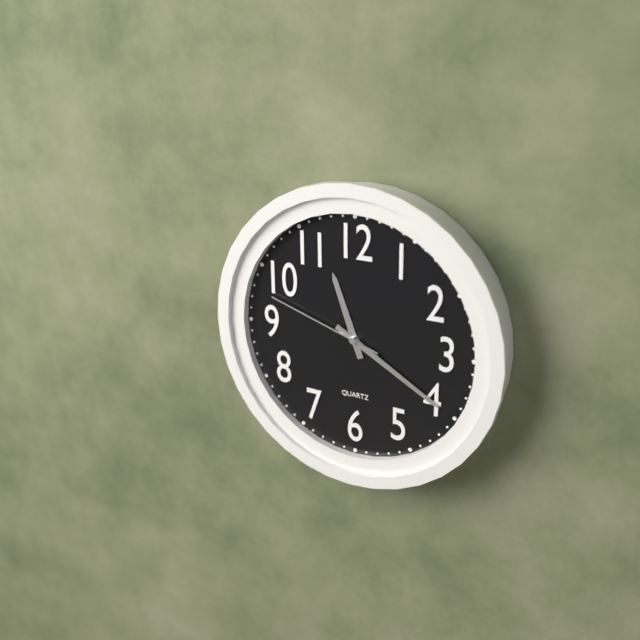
11:20:48
